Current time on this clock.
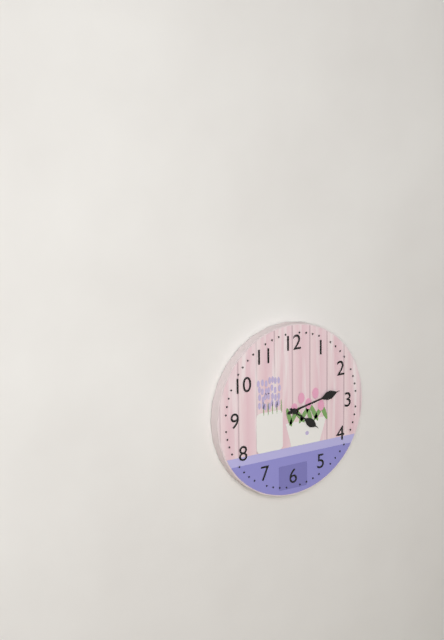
4:13
